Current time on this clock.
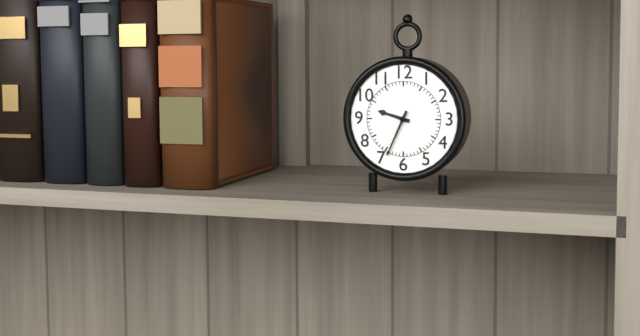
9:34
